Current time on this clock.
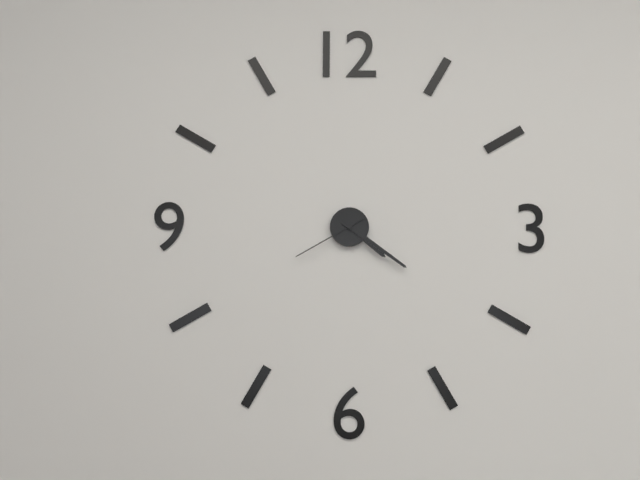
4:21:40
